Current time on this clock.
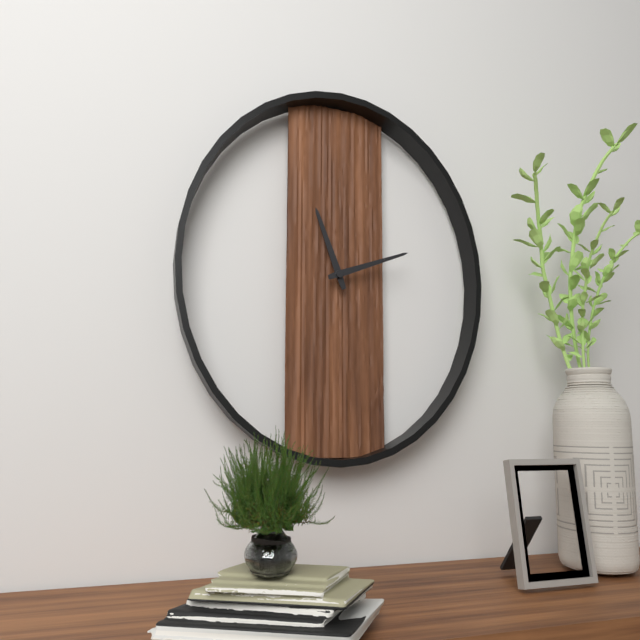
11:12
